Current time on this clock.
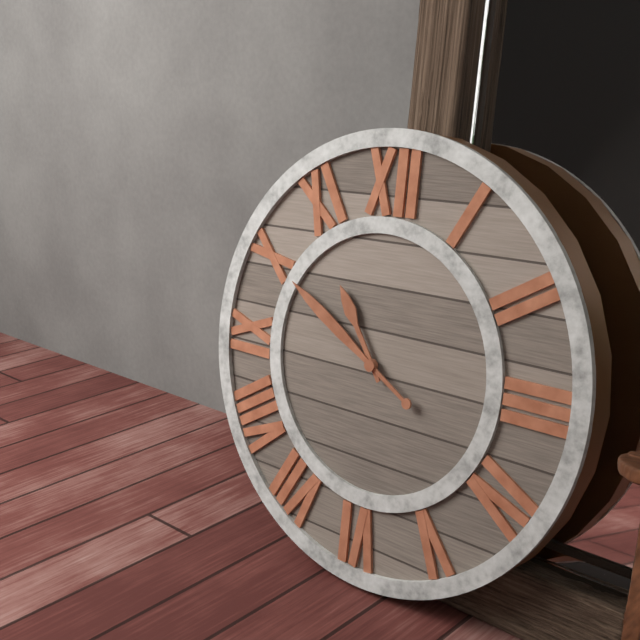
10:50
